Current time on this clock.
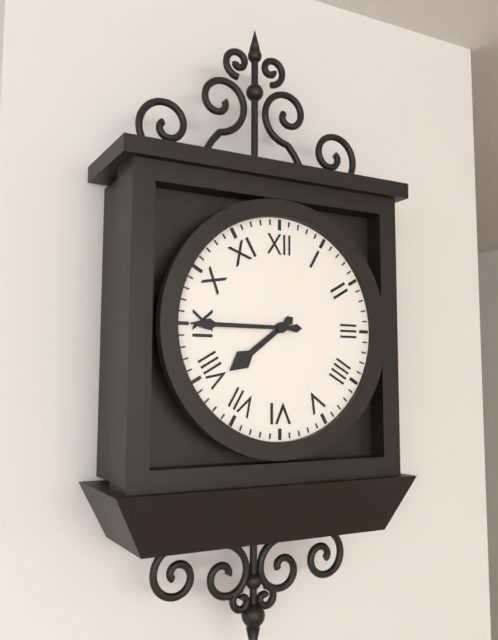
7:45
